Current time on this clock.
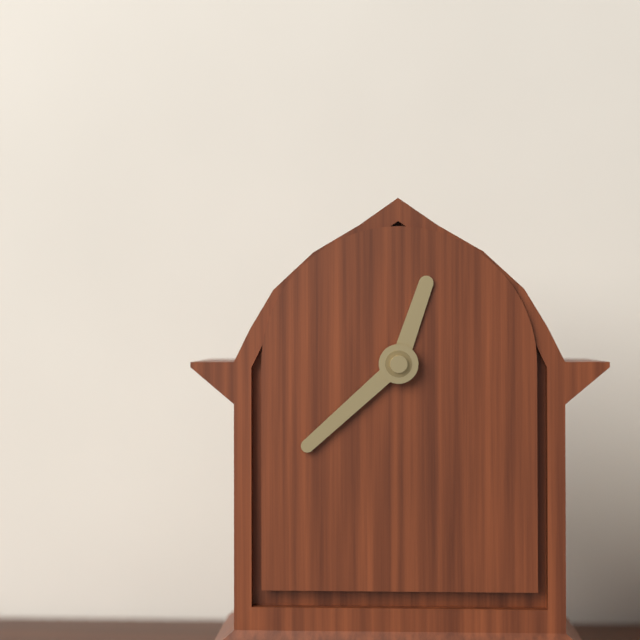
12:38
